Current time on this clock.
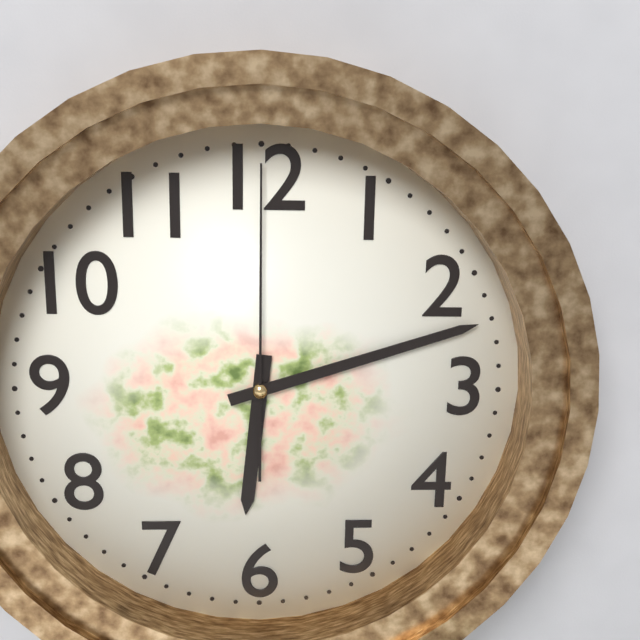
6:12:00
